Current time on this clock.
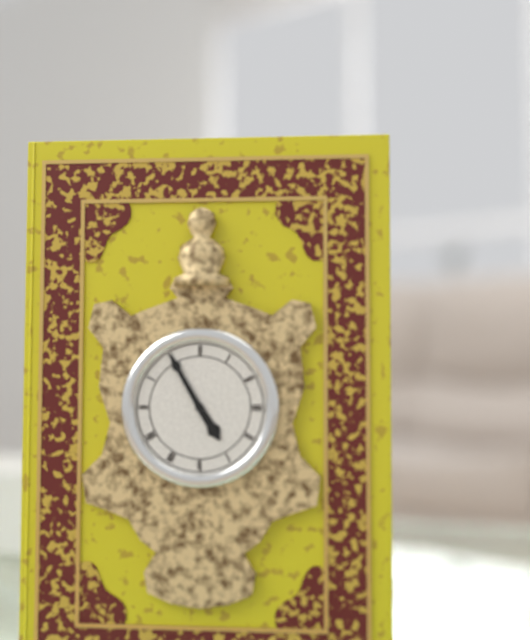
4:55
